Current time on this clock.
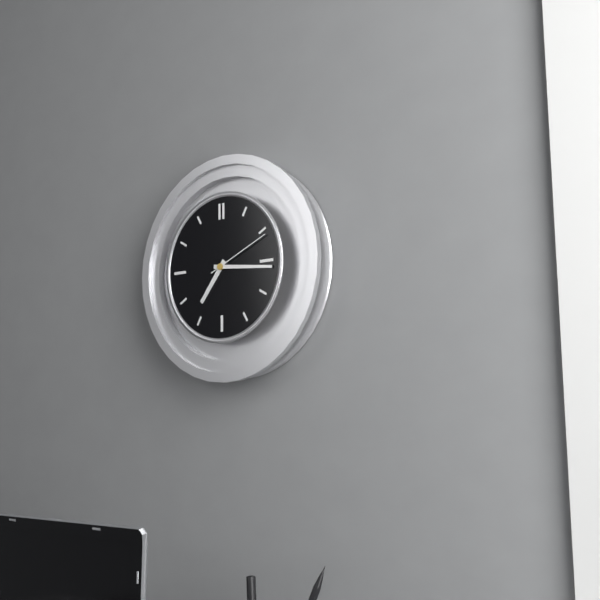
7:16:11
